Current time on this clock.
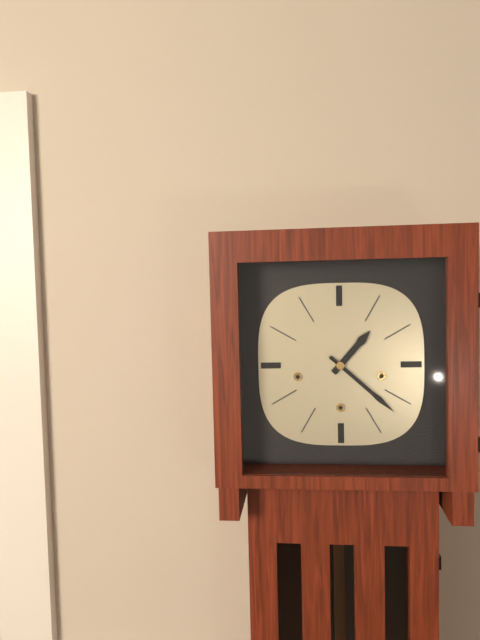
1:22
